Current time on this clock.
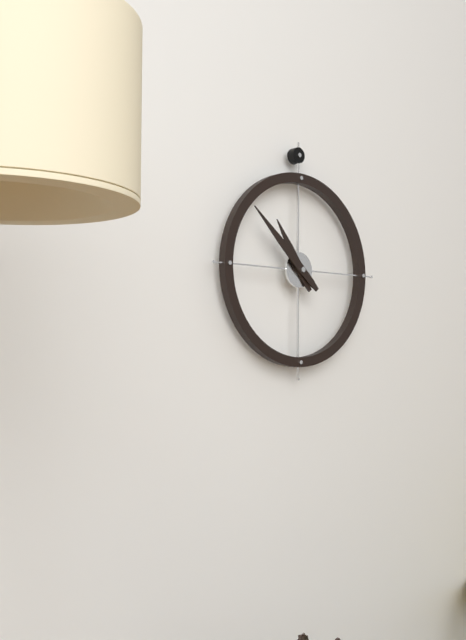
10:52
